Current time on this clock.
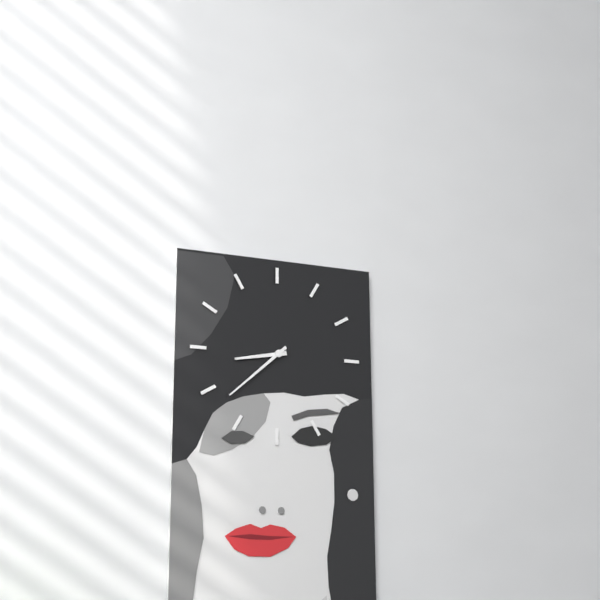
8:38
